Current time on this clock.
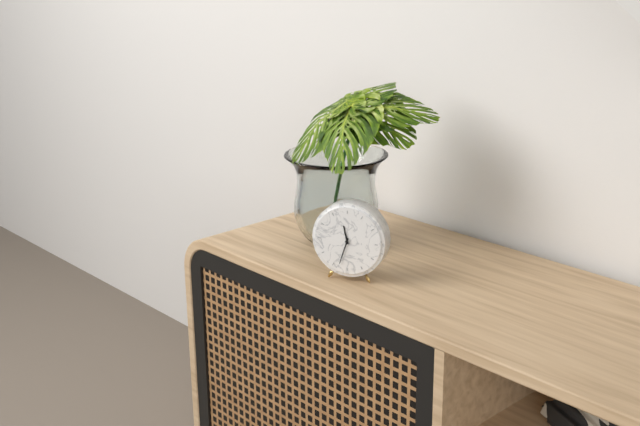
11:33
